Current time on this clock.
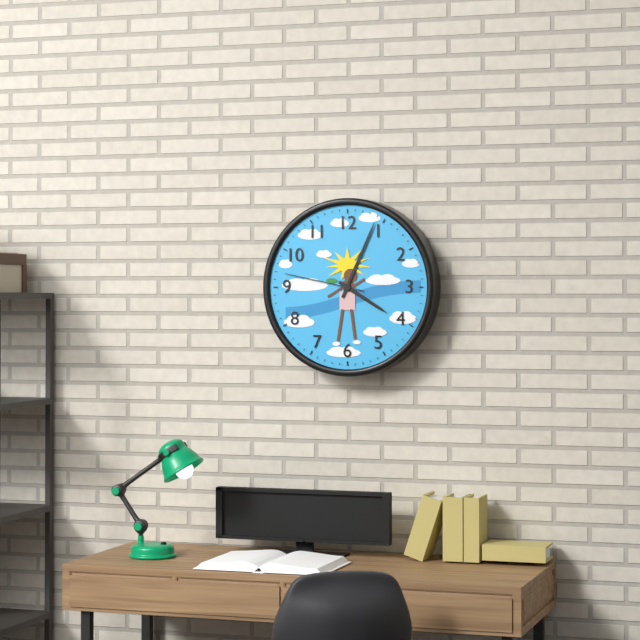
4:04:47
